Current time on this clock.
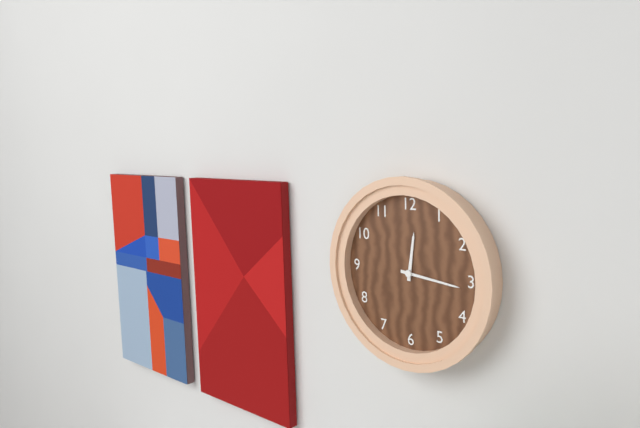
12:16
